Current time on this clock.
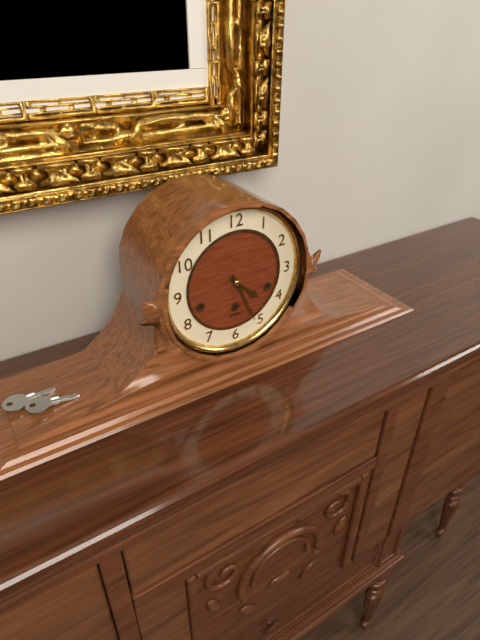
4:26
